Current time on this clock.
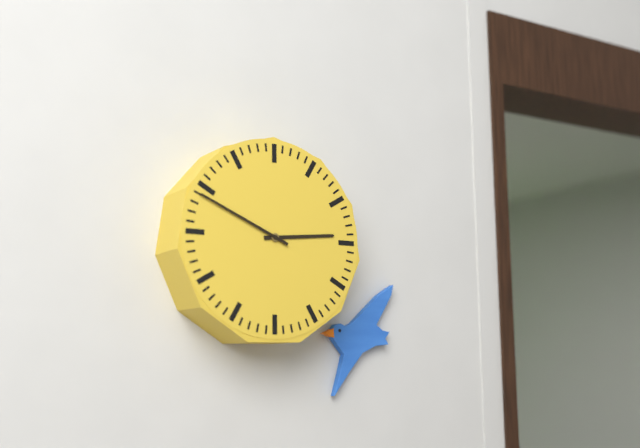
2:49
